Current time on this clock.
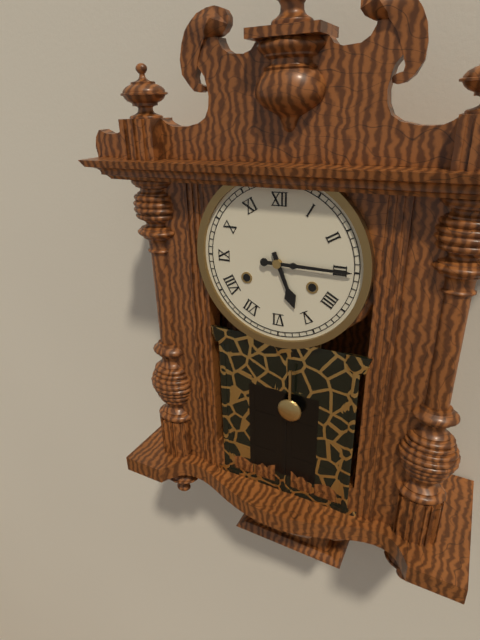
5:15
